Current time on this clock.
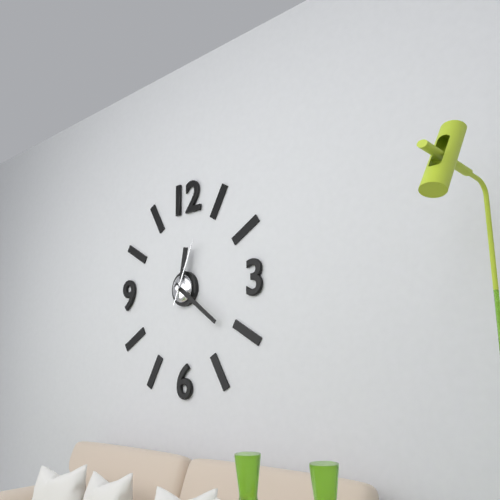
12:21:04
